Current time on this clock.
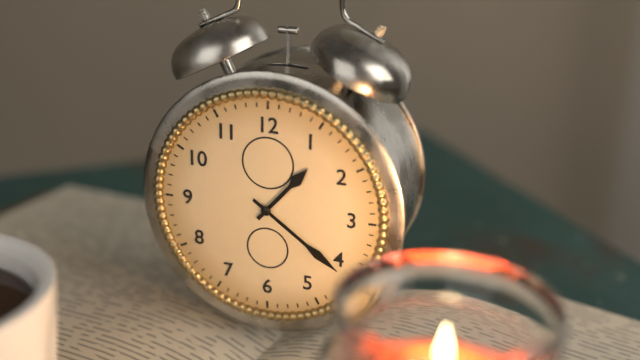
1:21
